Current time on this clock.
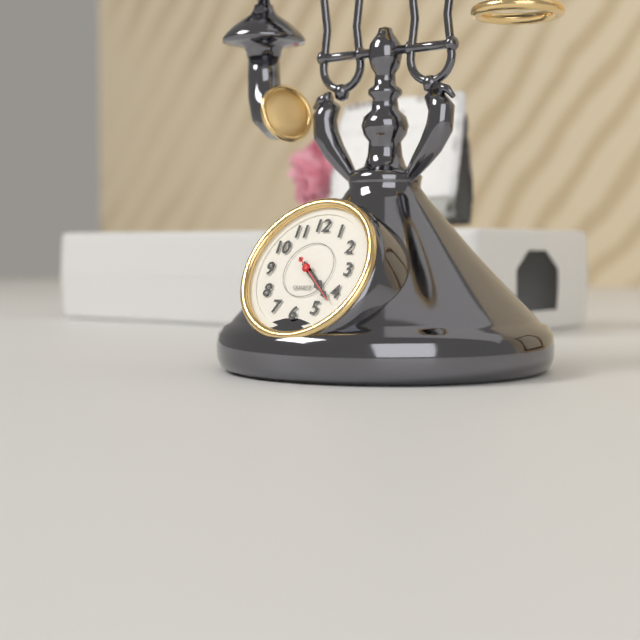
4:22:22
